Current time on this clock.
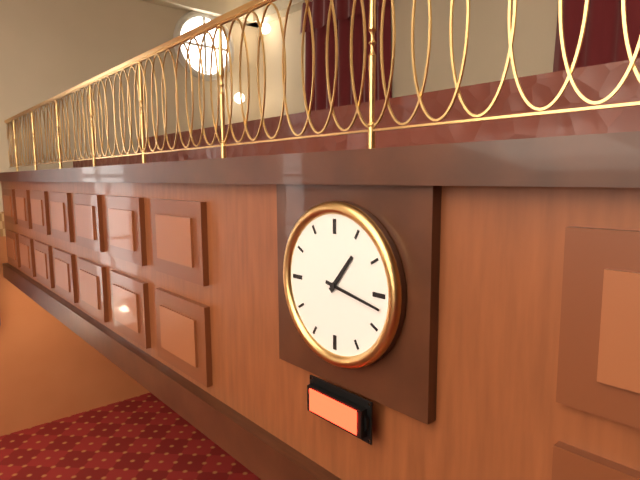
1:17
